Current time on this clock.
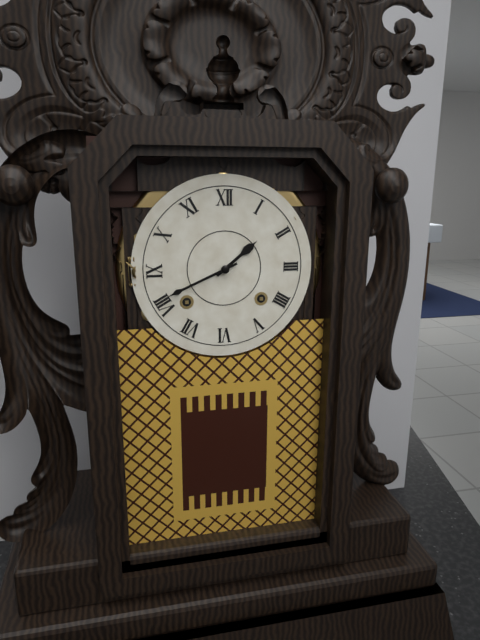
1:41
